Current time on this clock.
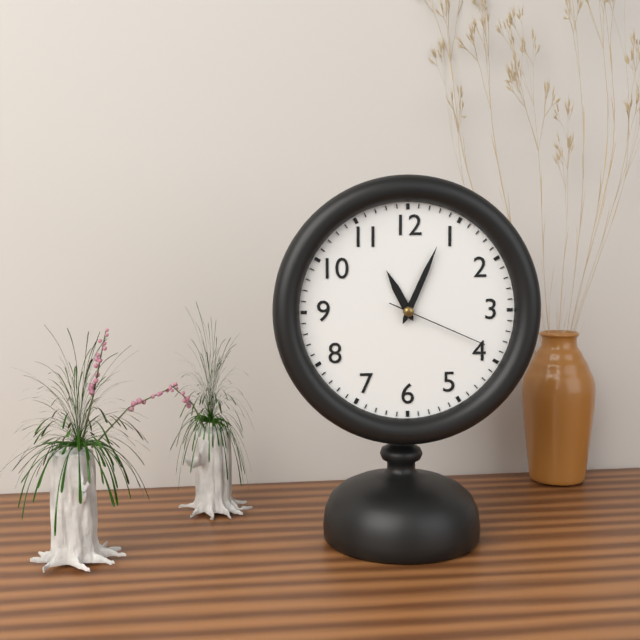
11:04:19
